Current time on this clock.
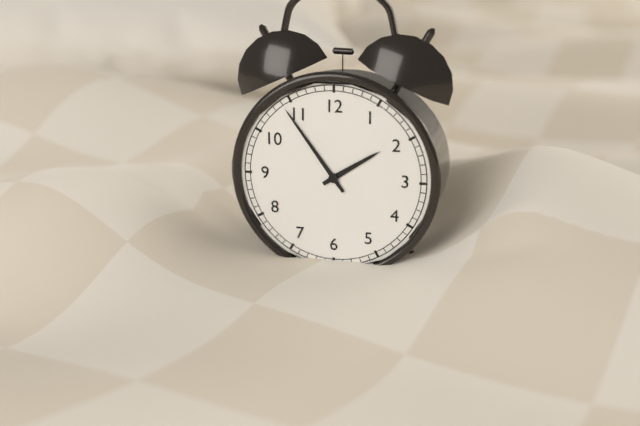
1:54
